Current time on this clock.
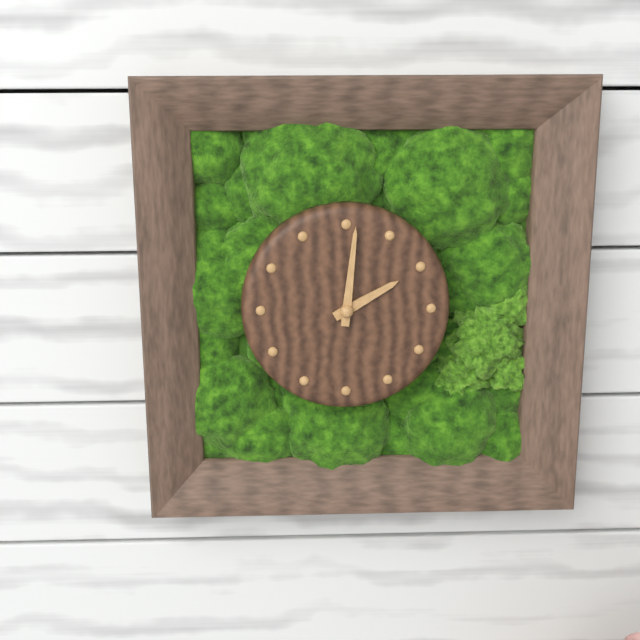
2:01
